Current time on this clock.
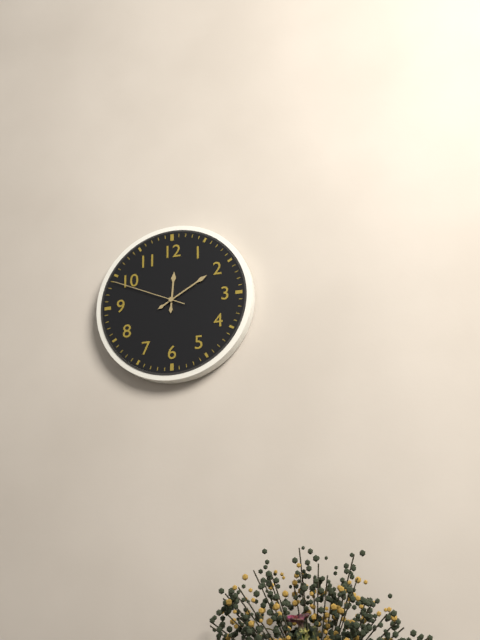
12:10:49
